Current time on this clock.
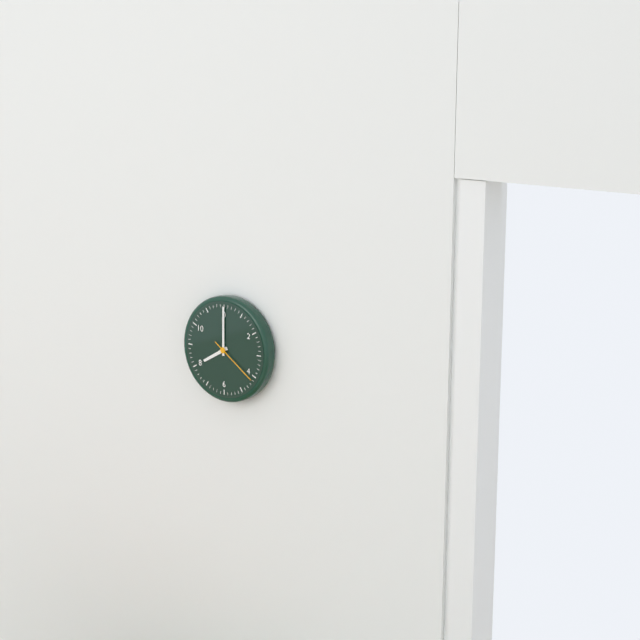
8:00
